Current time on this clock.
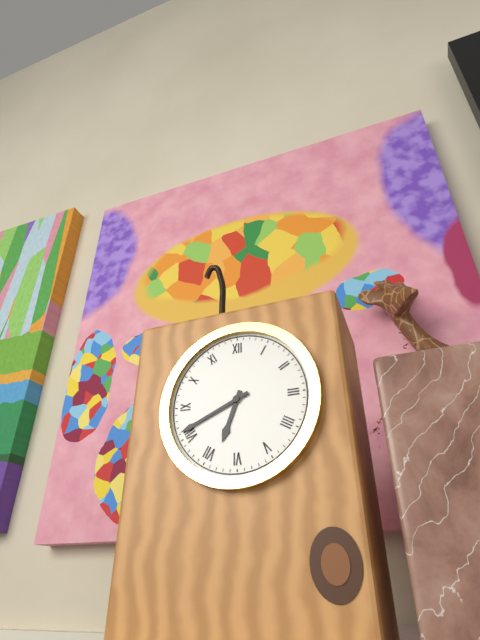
6:41
